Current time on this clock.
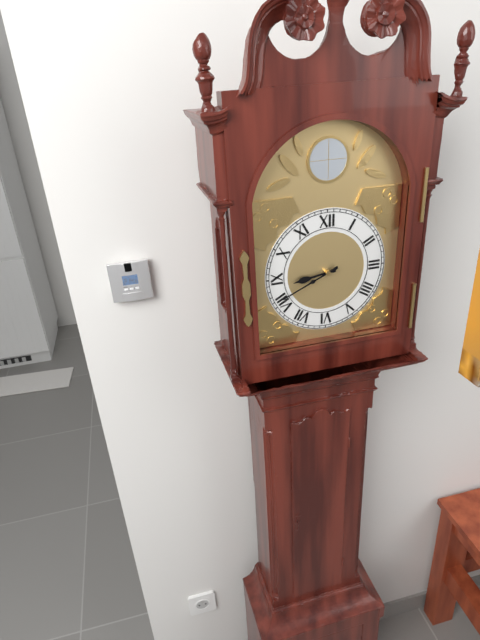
8:41
